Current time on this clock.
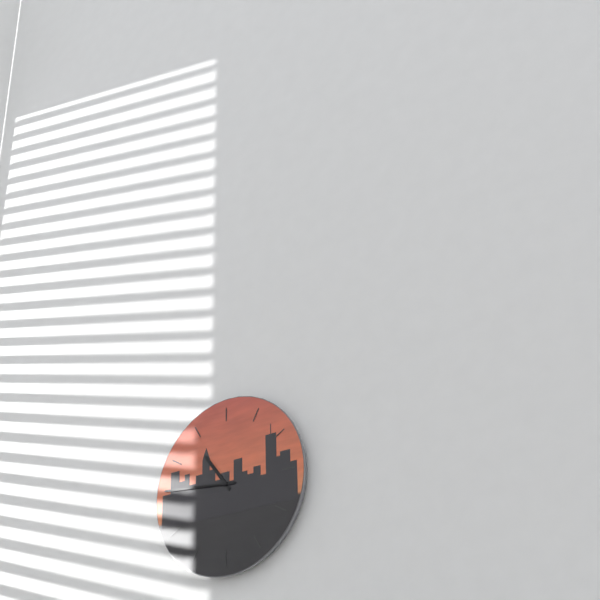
10:46
